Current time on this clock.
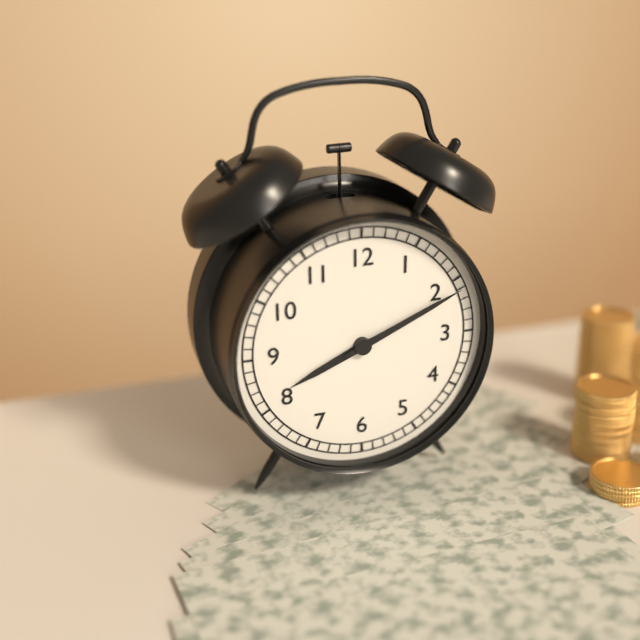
8:11
